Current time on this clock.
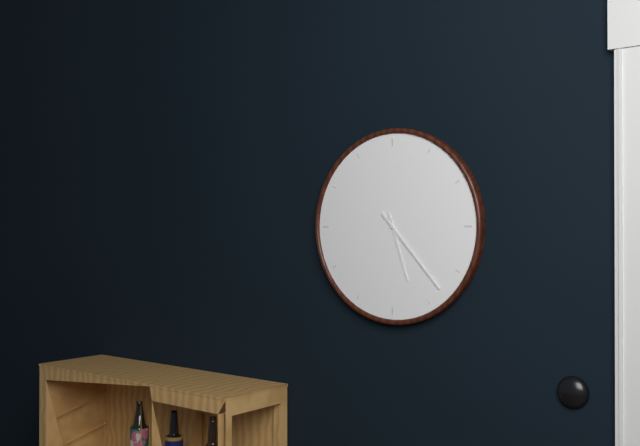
5:23
